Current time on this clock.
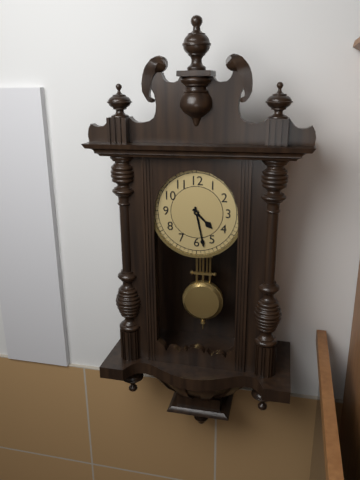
4:28
